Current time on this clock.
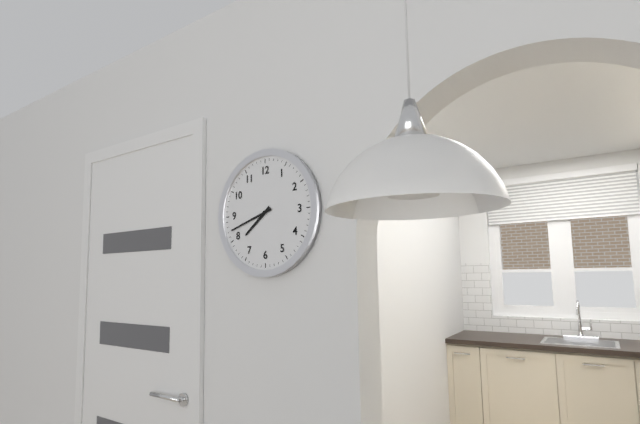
7:42
